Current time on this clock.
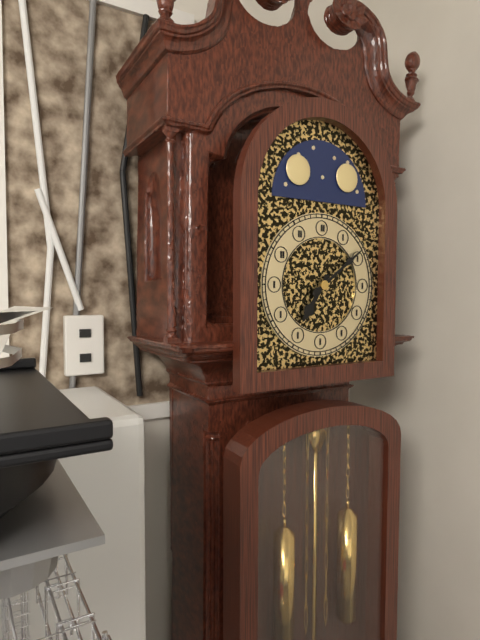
7:09
